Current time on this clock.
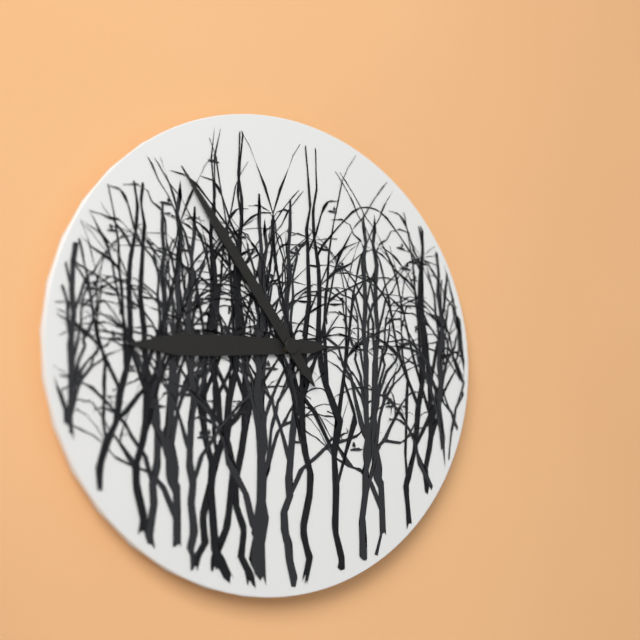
8:54
